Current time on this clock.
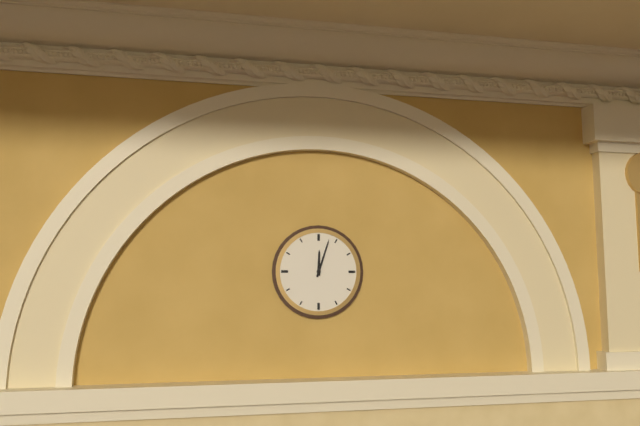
12:03
